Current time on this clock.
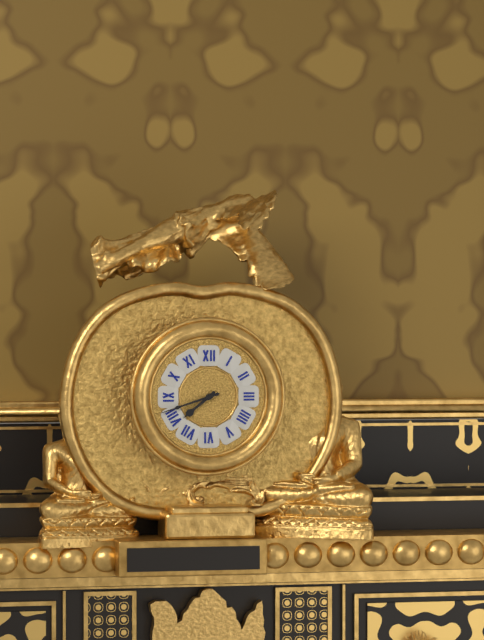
7:42
